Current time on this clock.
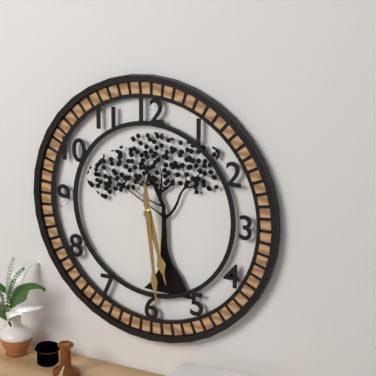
5:29
